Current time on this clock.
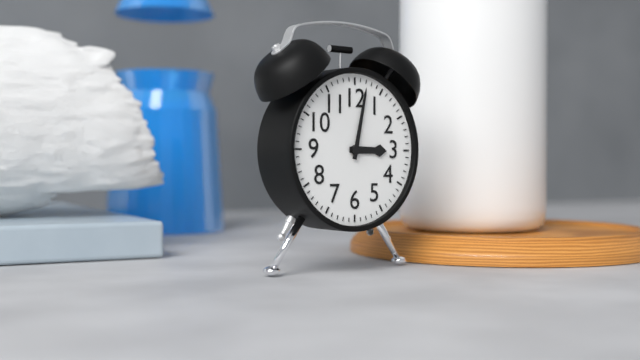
3:02
